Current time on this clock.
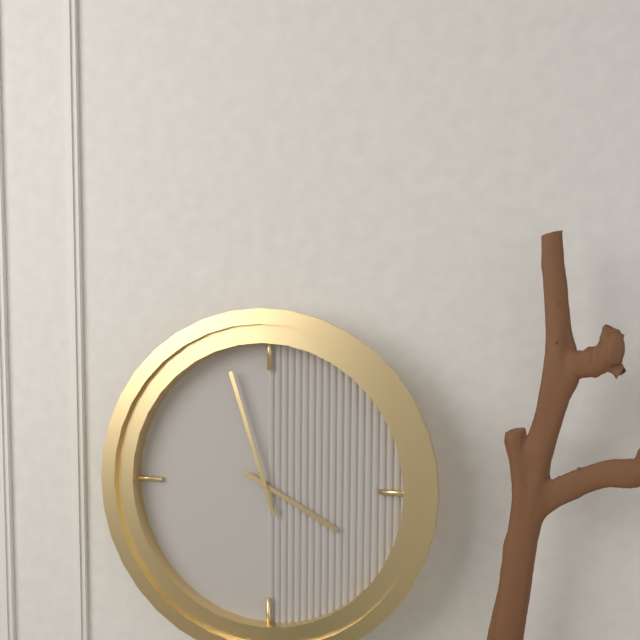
3:57
